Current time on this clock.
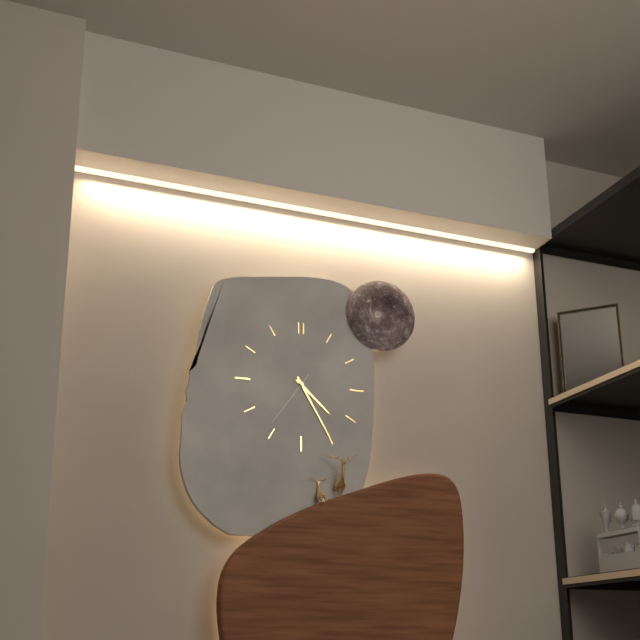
4:25:36
